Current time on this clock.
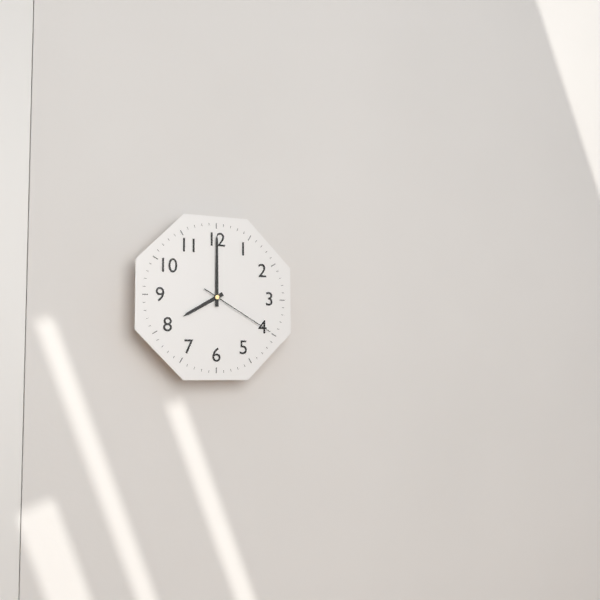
8:00:20
